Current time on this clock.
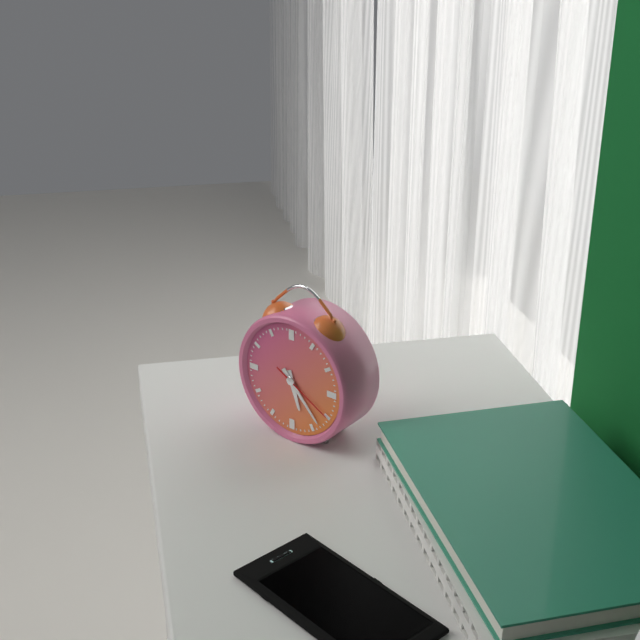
5:23:20
